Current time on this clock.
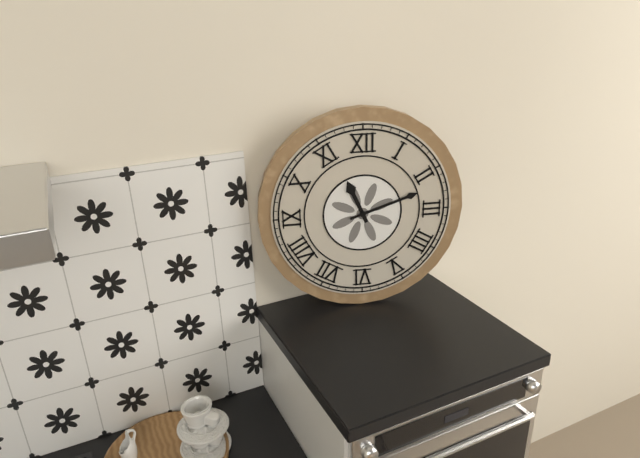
11:12
